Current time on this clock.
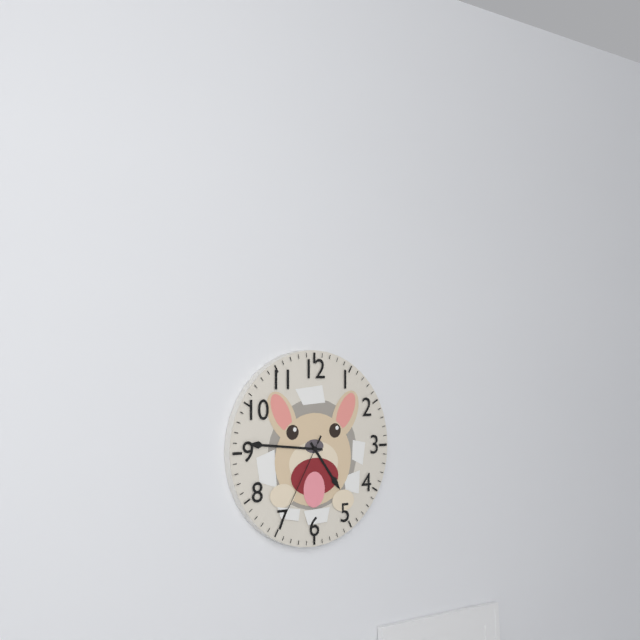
4:46:35
